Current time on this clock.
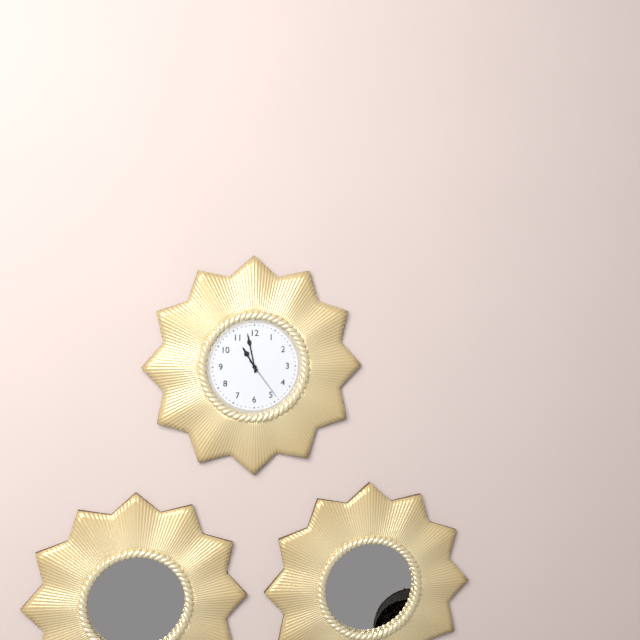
10:58
